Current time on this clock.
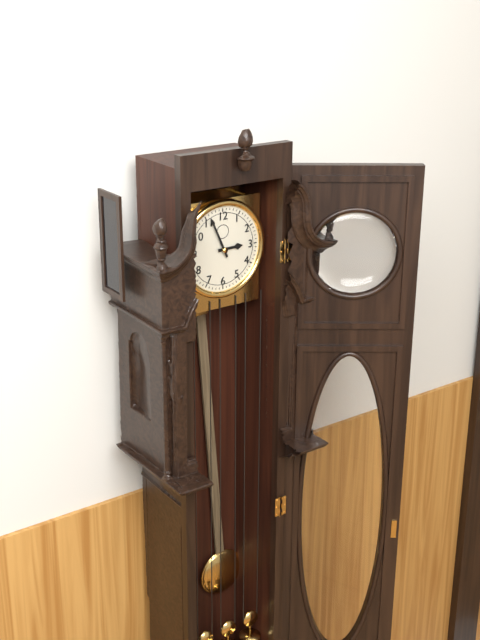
2:56
